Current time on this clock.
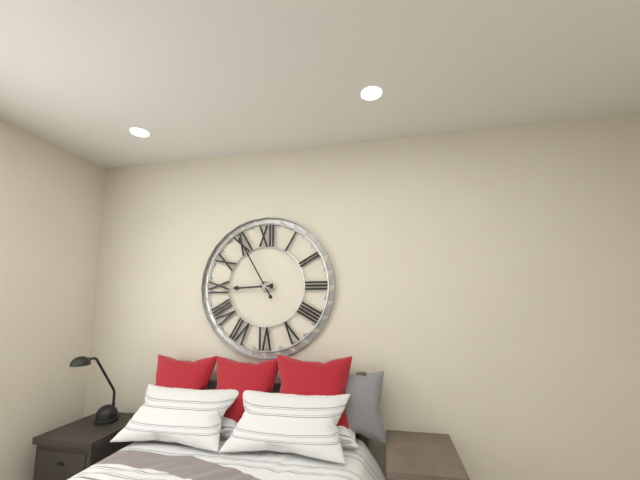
8:55
